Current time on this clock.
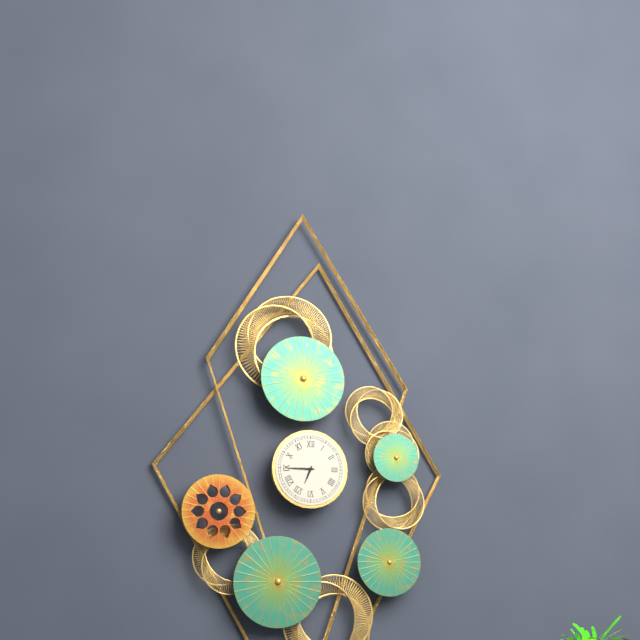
6:45
